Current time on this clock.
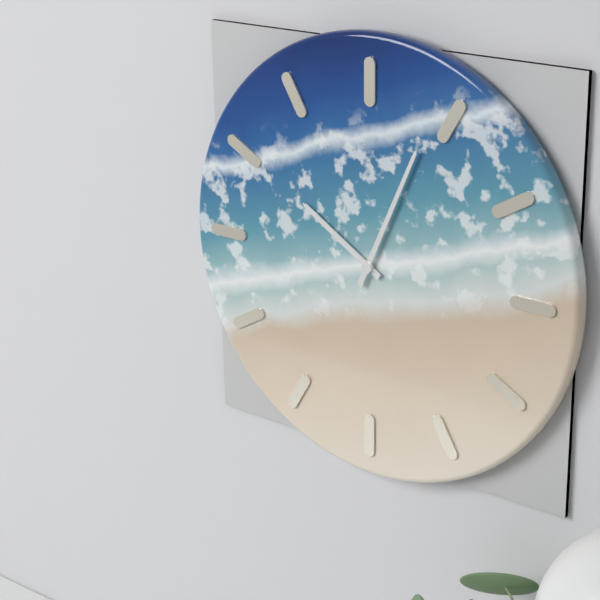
10:04
